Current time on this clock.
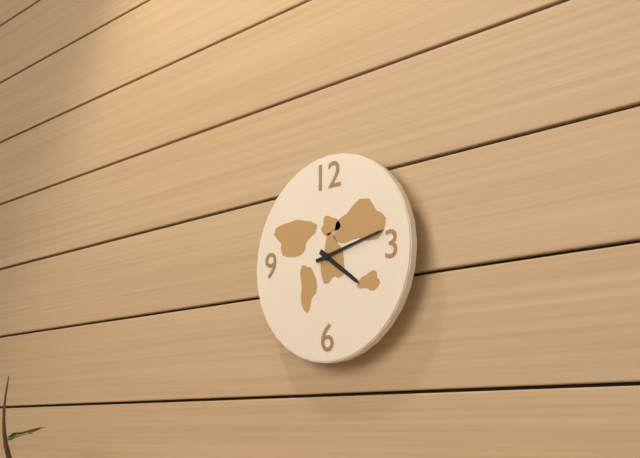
4:13
